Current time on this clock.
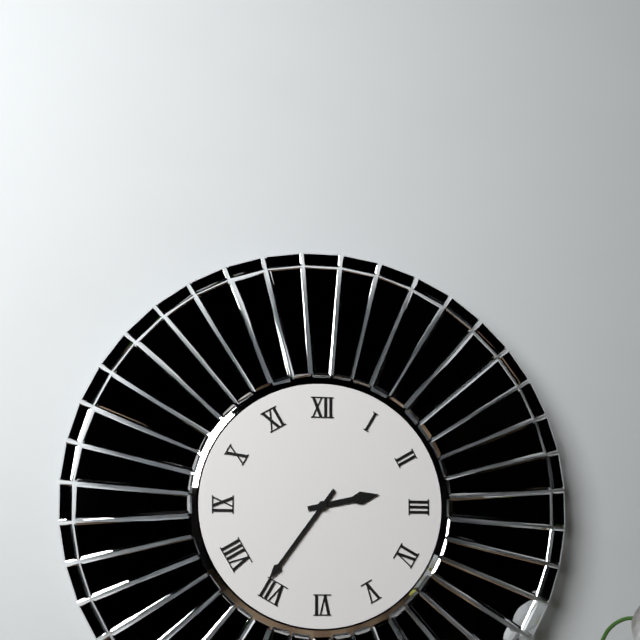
2:36
